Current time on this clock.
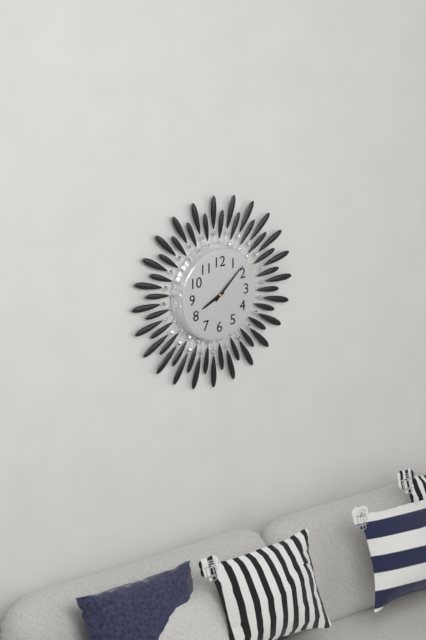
8:08
